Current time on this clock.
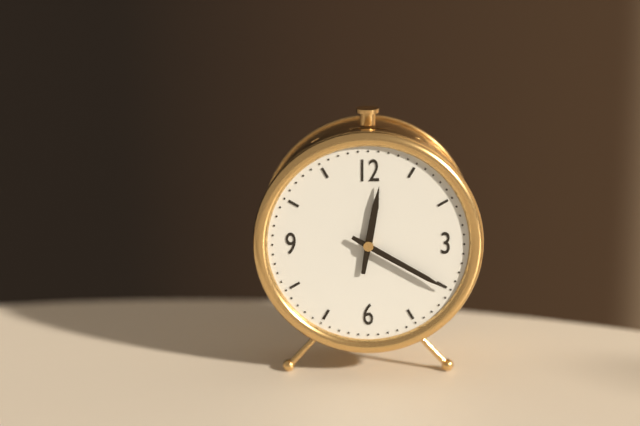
12:20
